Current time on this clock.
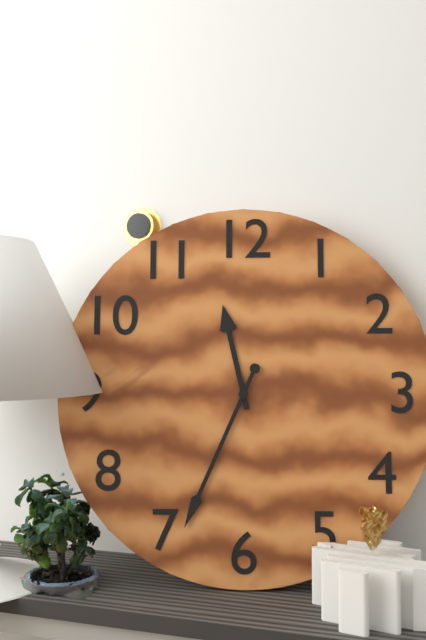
11:34
